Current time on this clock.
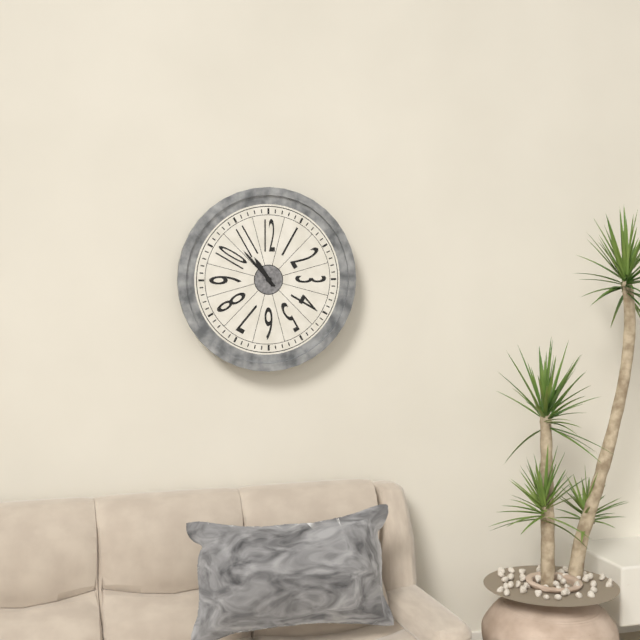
10:53
